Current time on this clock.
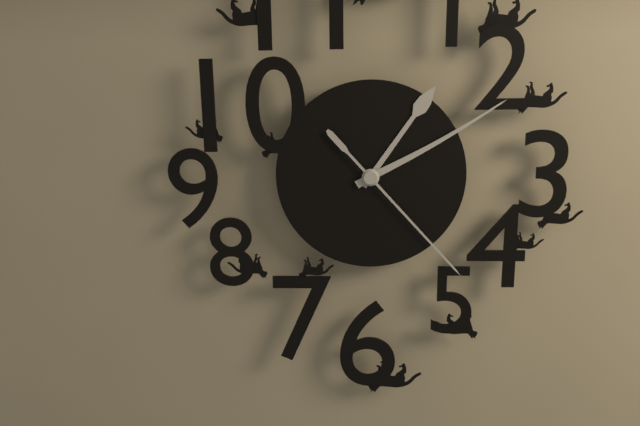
1:10:23
